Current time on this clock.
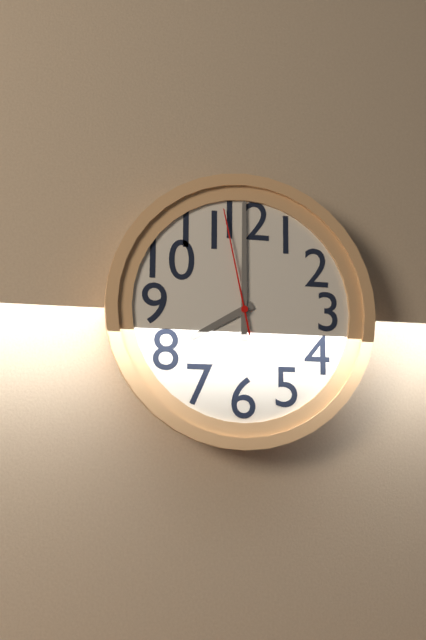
8:00:58
